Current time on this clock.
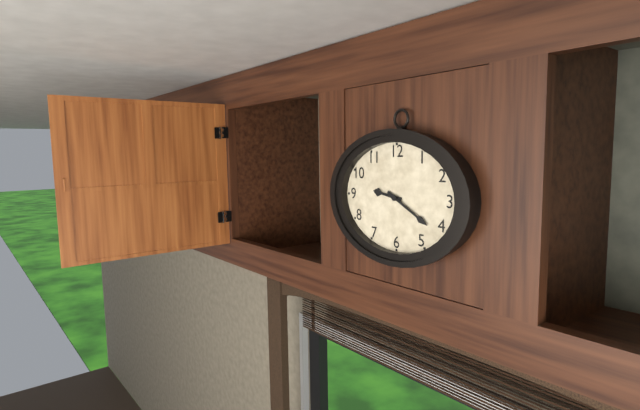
9:20
